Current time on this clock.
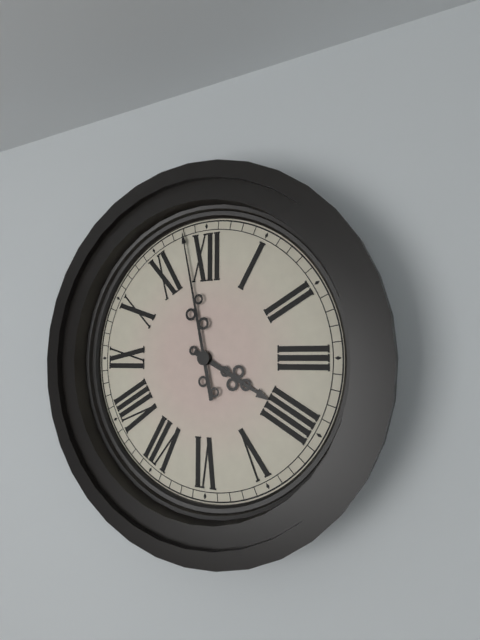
3:58
